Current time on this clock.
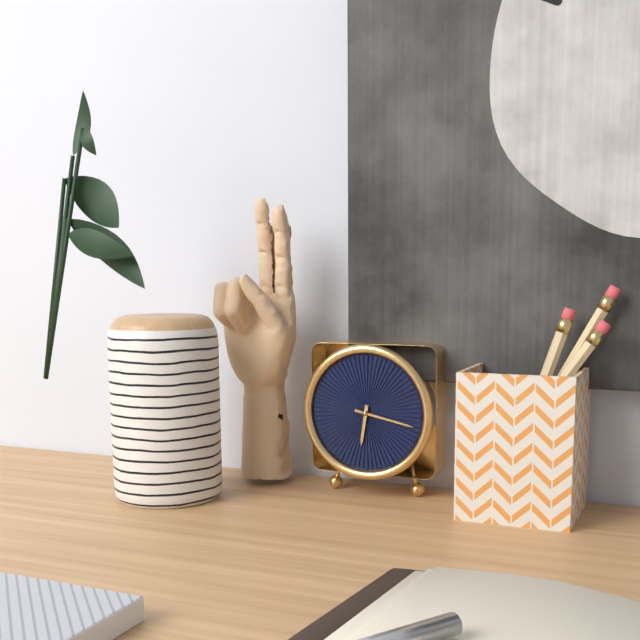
6:17
